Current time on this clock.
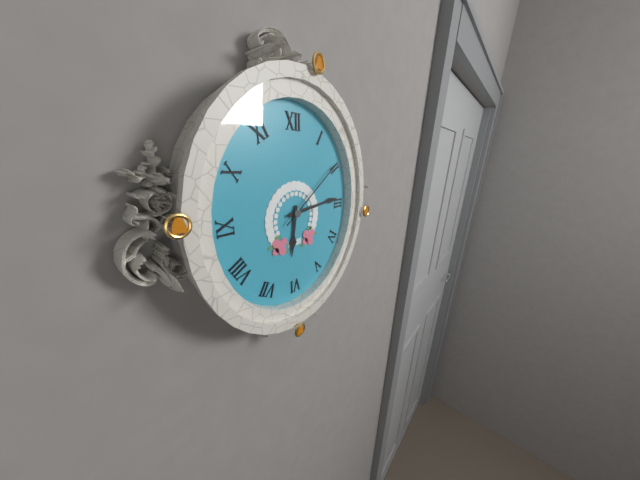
6:14:09
